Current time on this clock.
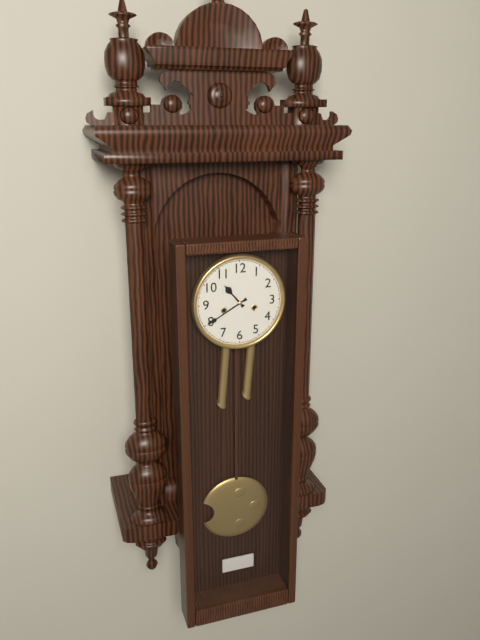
10:40
